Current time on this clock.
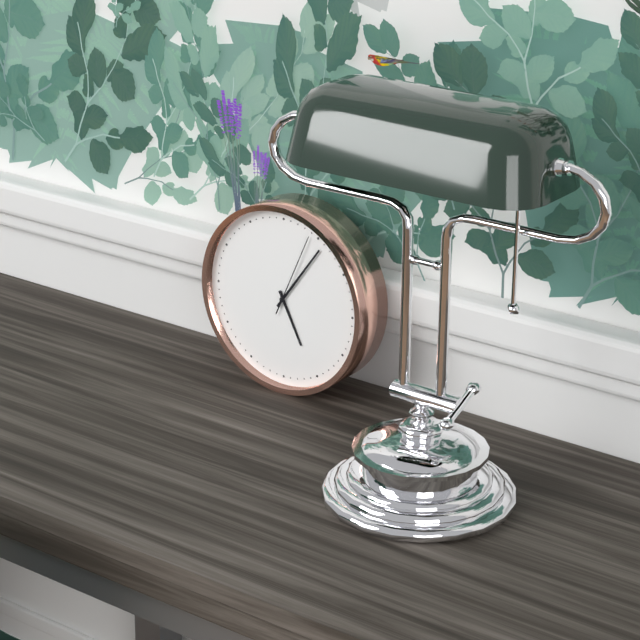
5:06:04
